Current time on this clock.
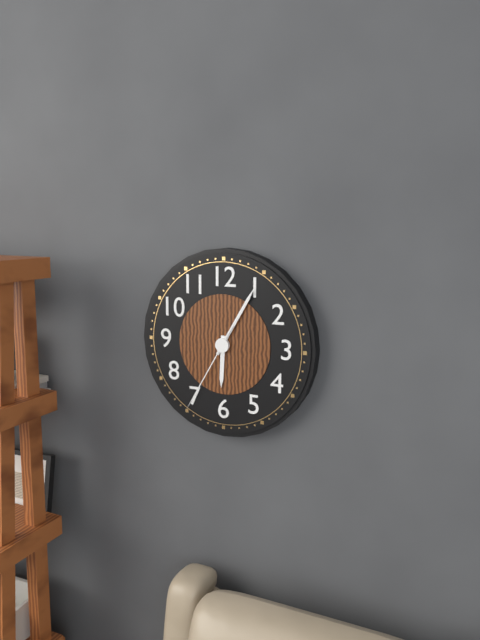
6:05:35
